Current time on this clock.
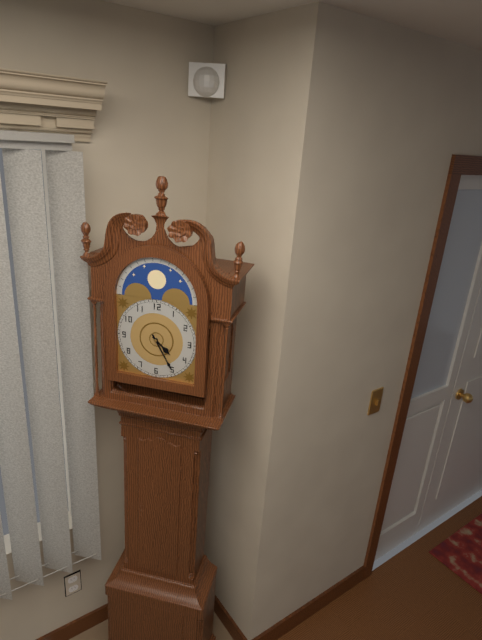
4:25
